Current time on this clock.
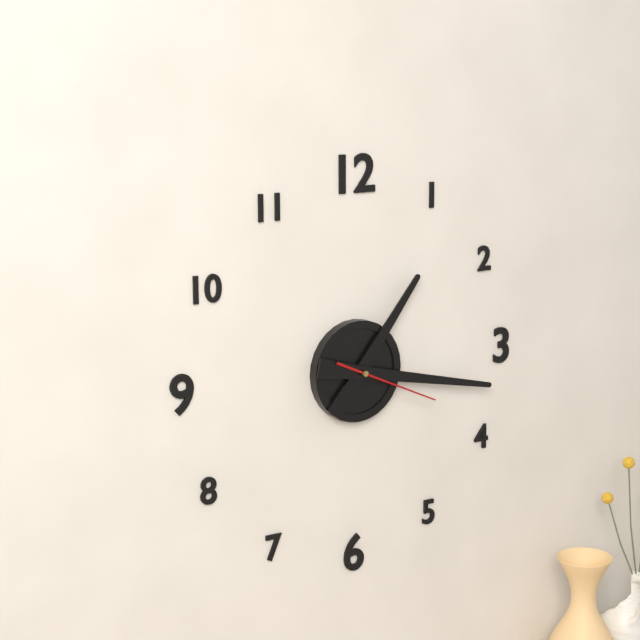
1:17:19
